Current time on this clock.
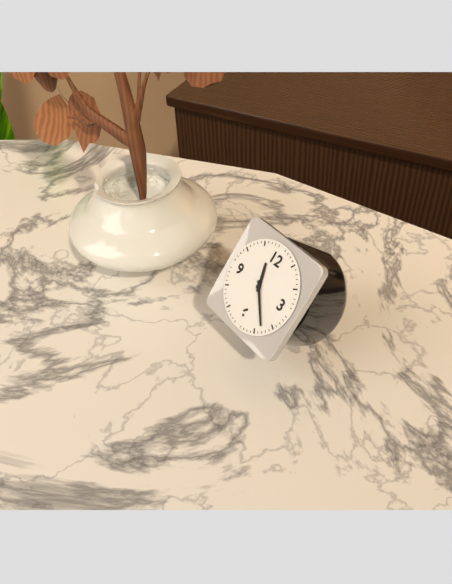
11:23
